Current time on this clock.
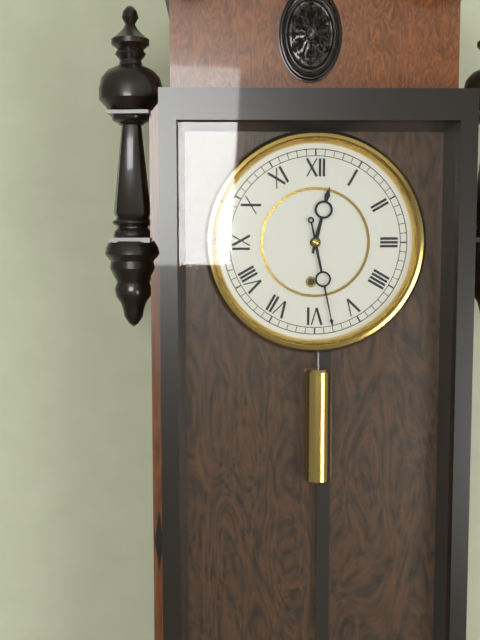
12:28
